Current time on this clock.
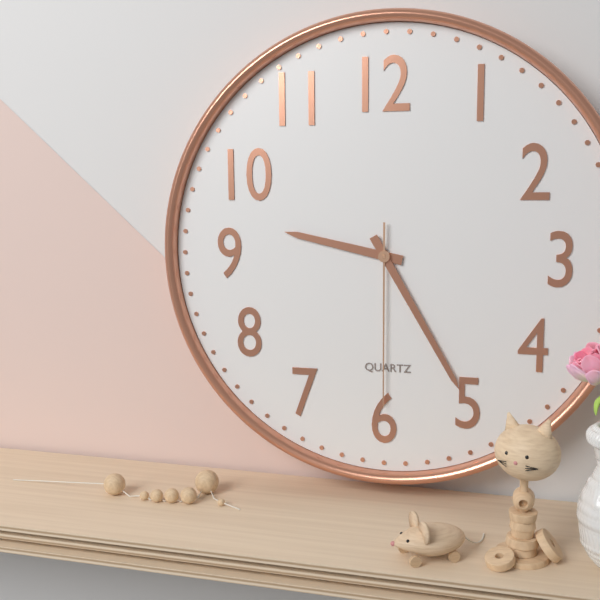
9:25:30
